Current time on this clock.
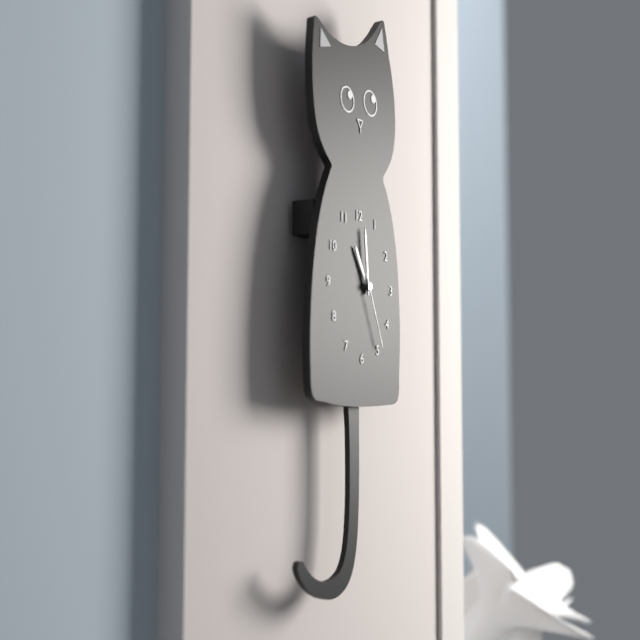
10:59:26
